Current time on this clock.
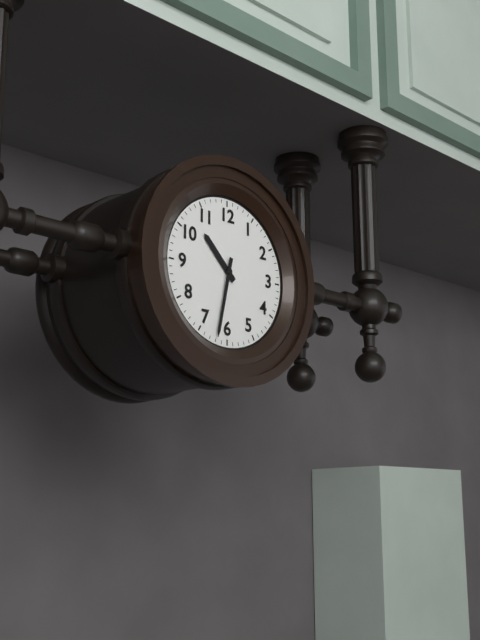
10:32
